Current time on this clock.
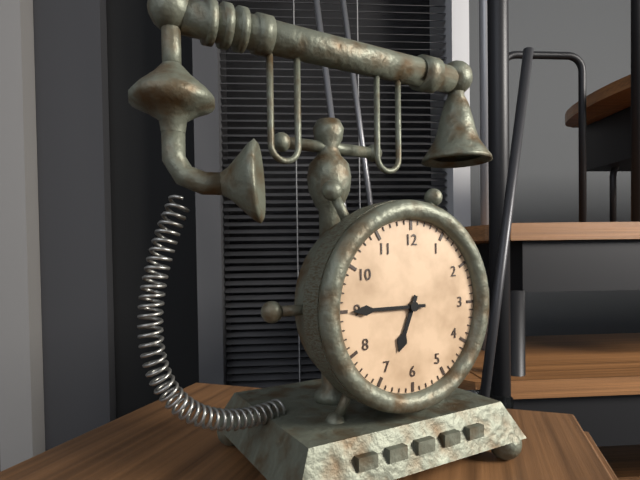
6:45
